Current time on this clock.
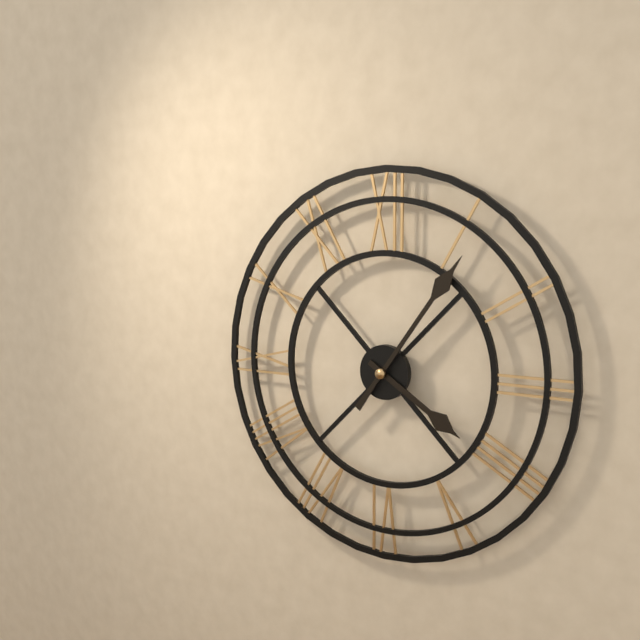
4:06
